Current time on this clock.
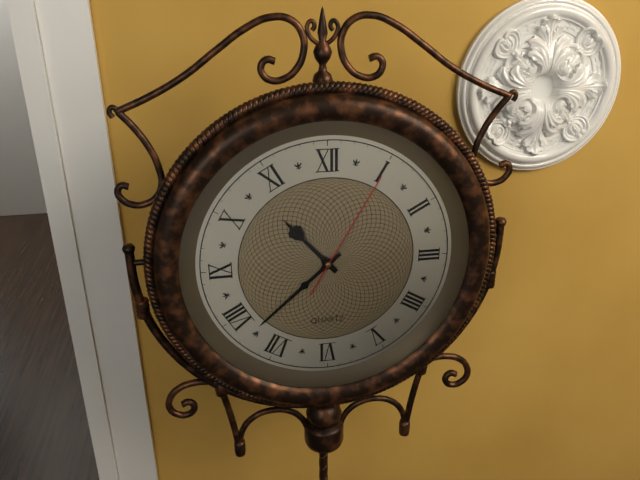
10:38:05
